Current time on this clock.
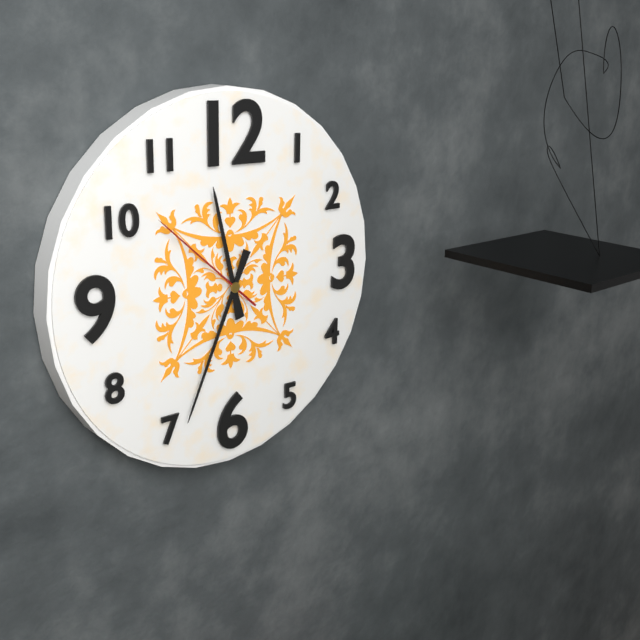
11:34:52
